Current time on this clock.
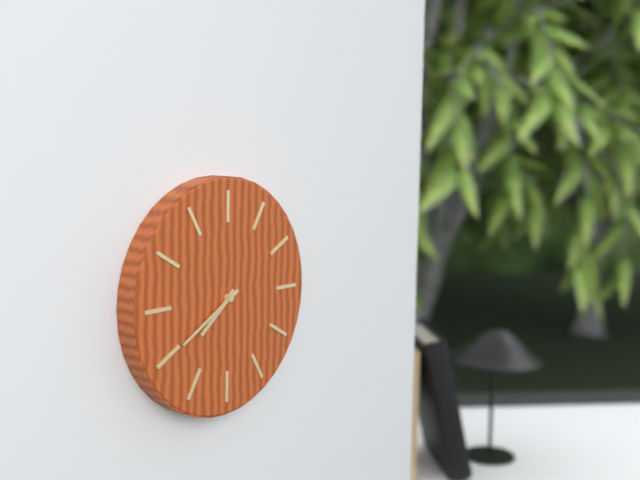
7:40
